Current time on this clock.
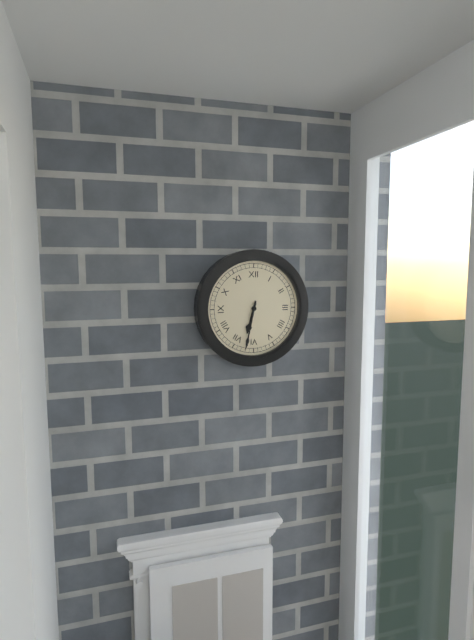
6:32
